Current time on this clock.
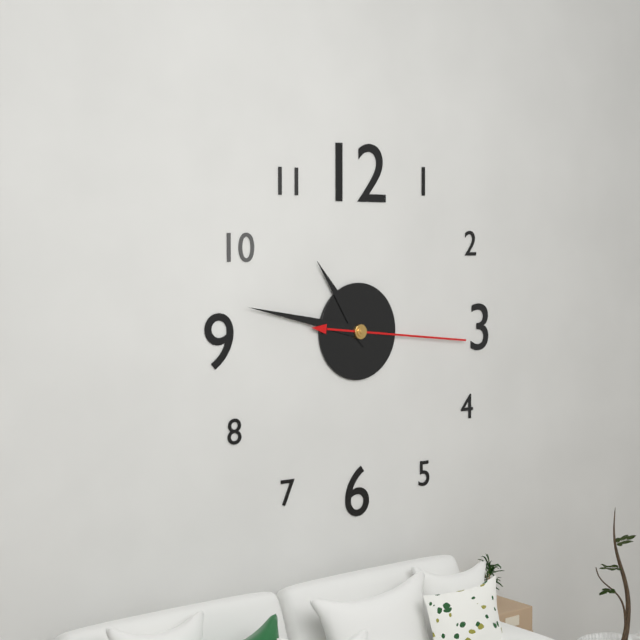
10:47:16
